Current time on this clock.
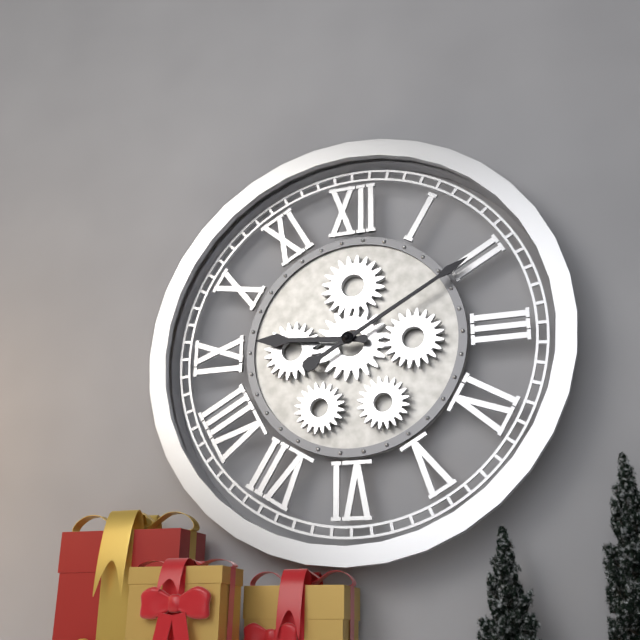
9:10
